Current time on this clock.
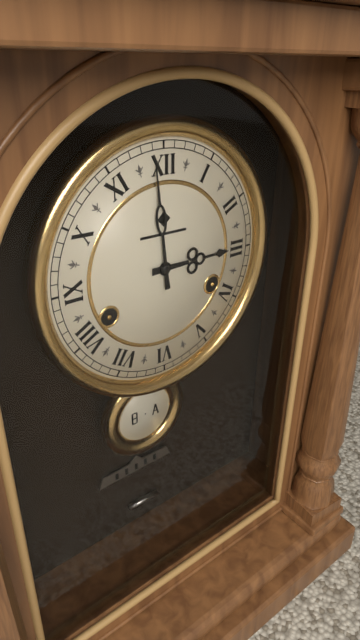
2:59
